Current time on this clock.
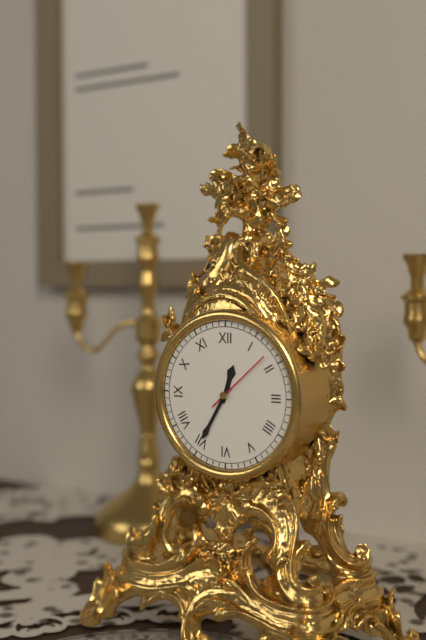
12:35:08
